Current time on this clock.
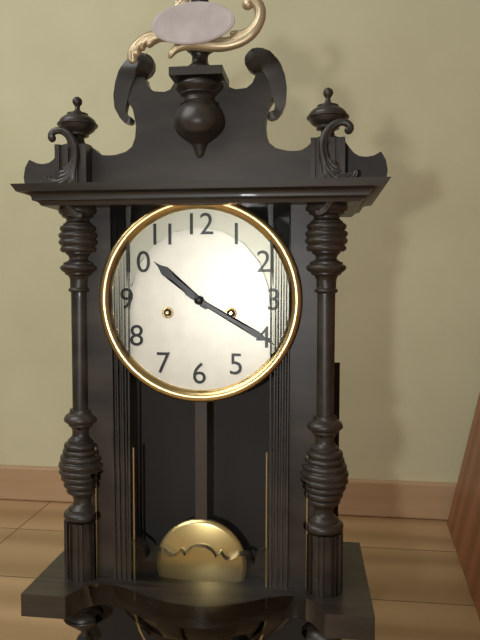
10:20
